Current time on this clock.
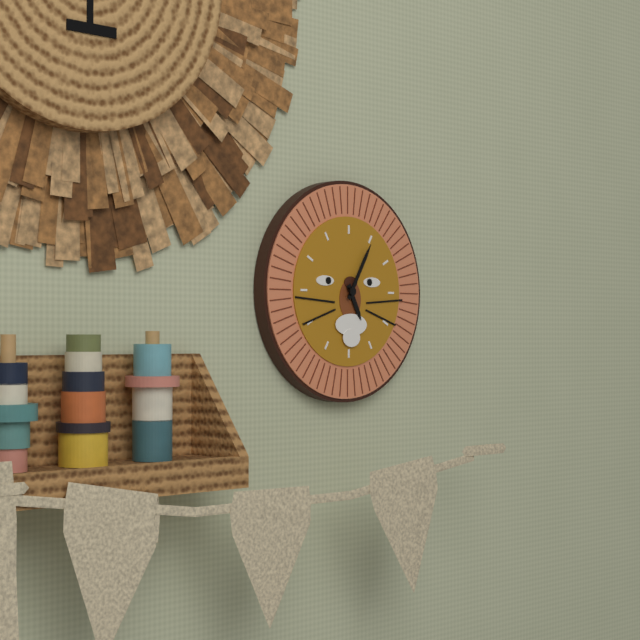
5:05
